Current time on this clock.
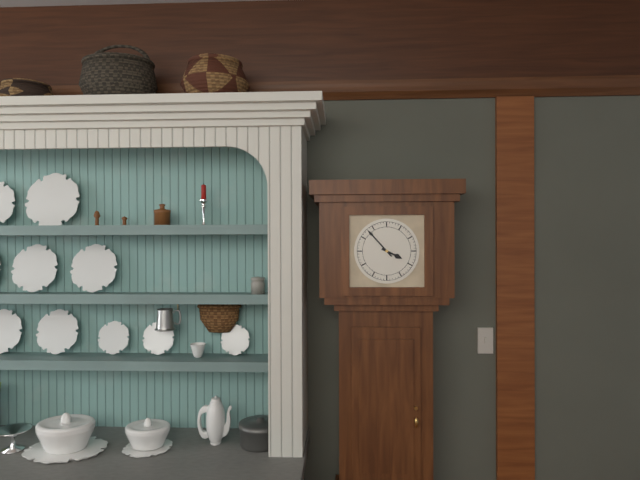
3:53
